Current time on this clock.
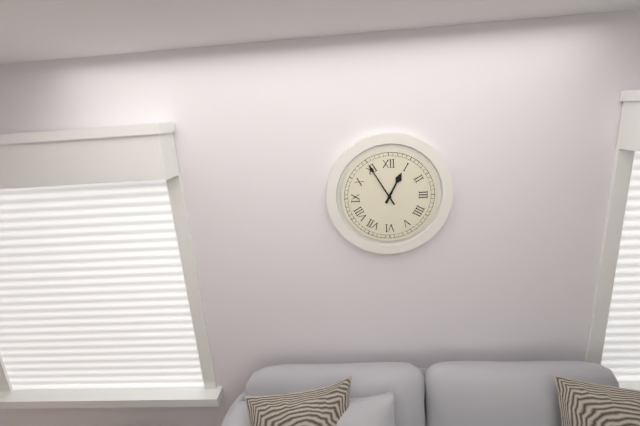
12:55
